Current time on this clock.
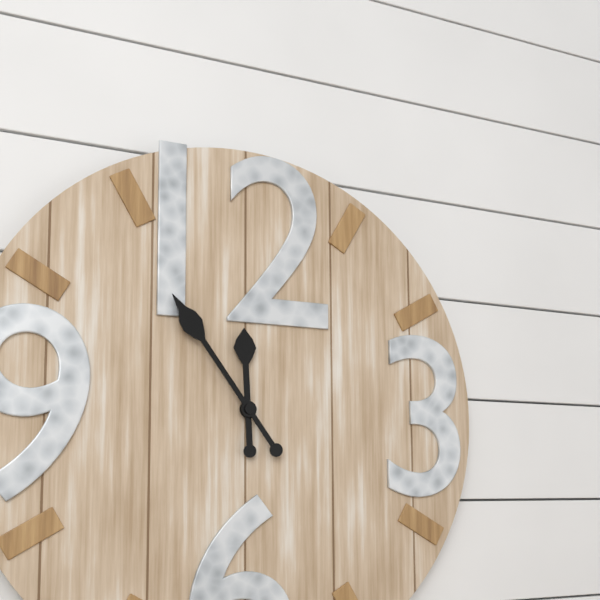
11:54
